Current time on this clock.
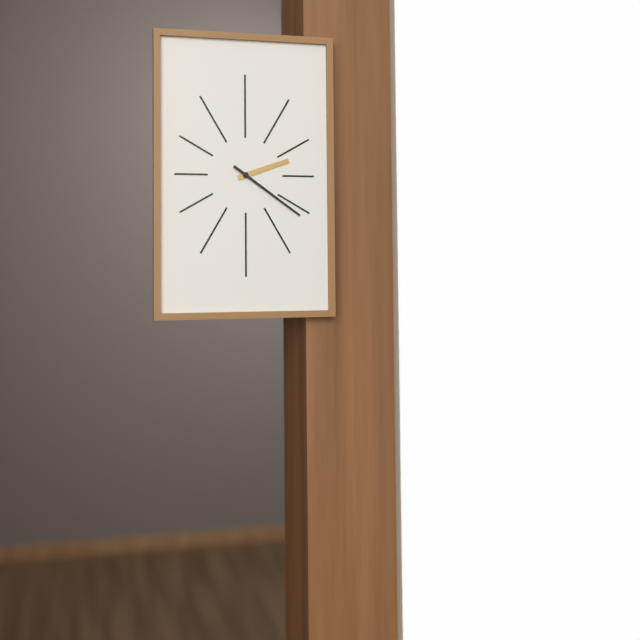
2:21
